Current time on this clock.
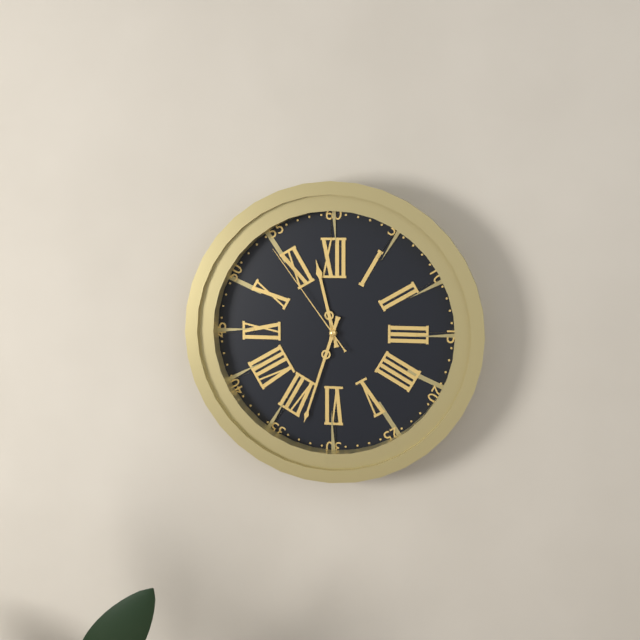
11:33:54
